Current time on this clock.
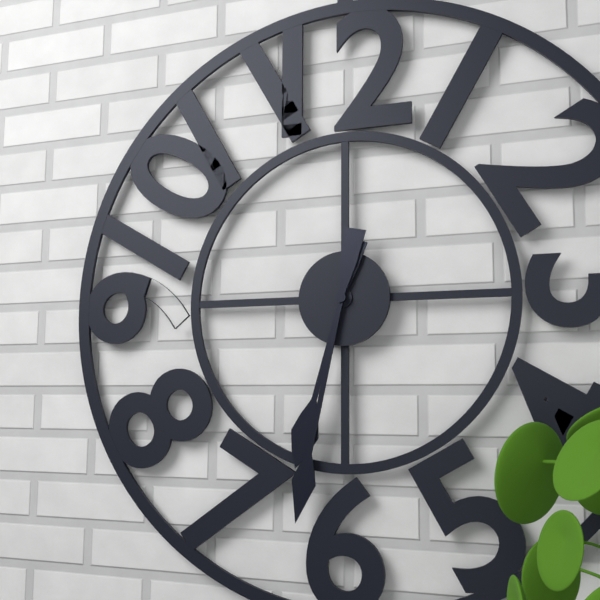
6:32
